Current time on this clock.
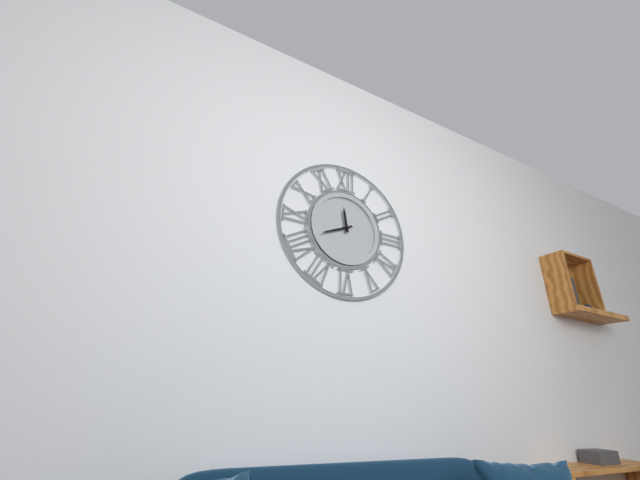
11:41
